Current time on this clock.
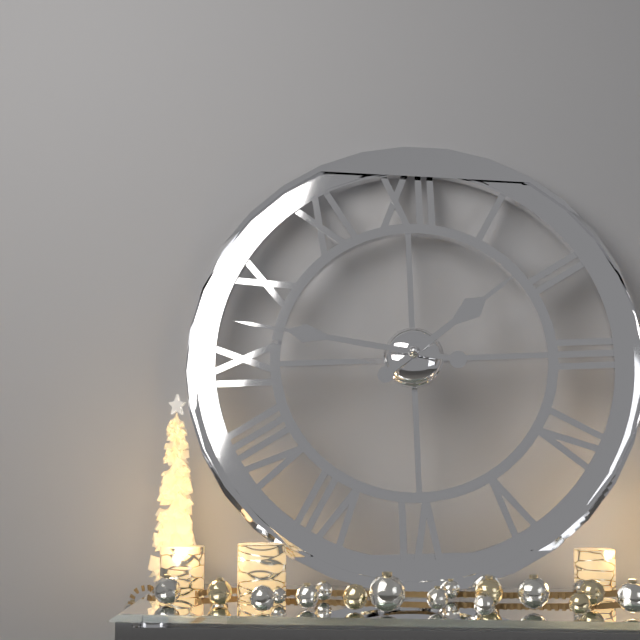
1:47
